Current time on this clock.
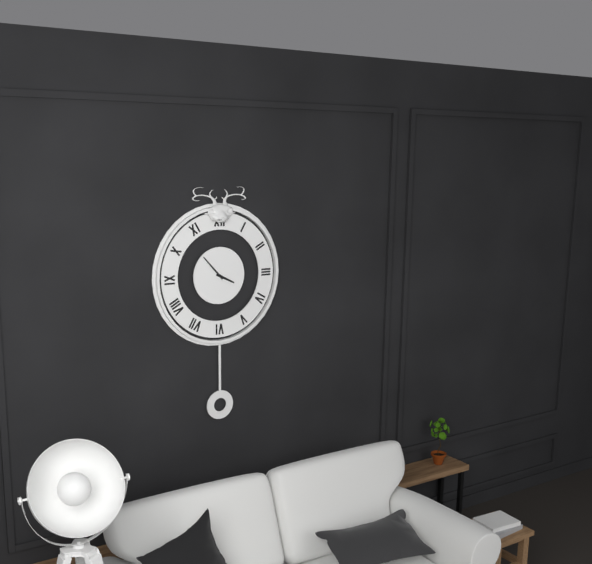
3:53
